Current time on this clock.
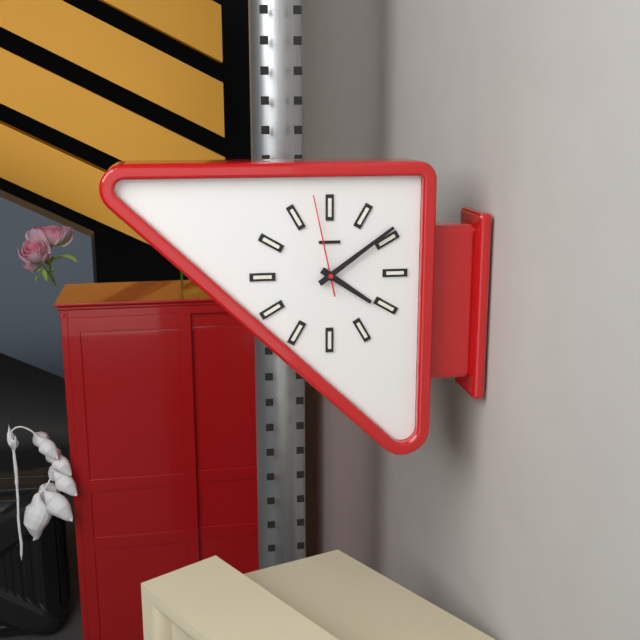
4:09:58
